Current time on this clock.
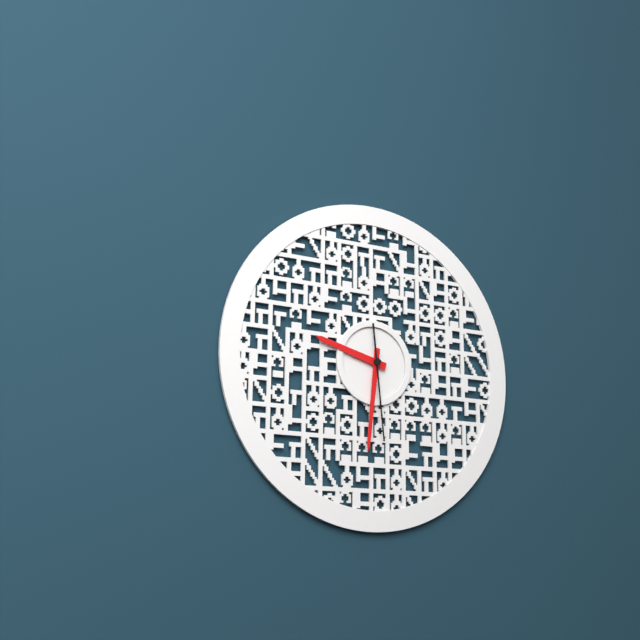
9:31:29
